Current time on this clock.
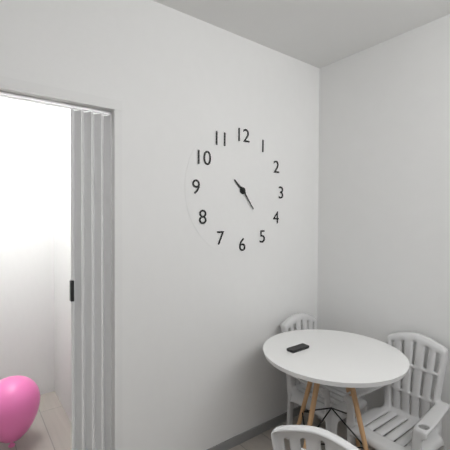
10:24
